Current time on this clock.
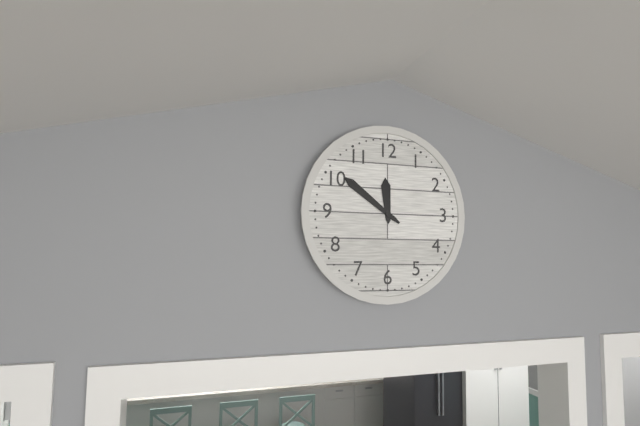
11:51
